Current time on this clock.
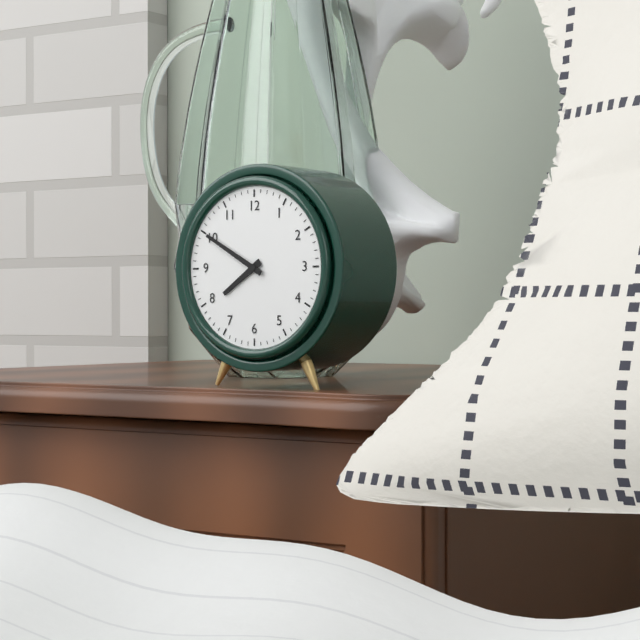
7:50
